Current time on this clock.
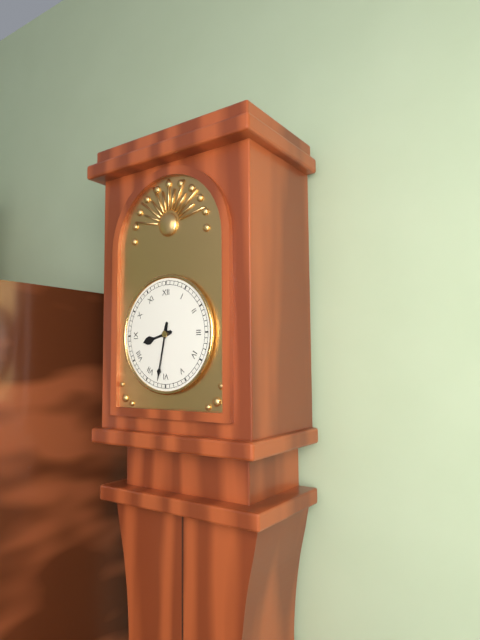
8:32
